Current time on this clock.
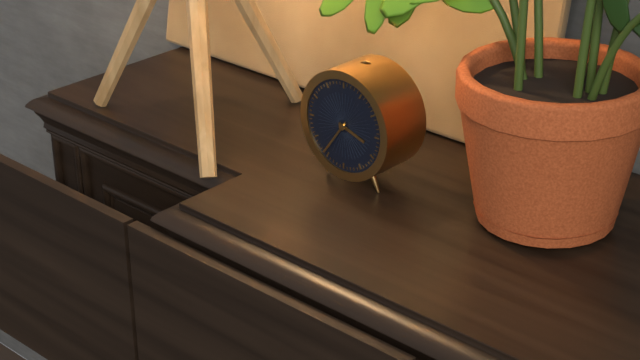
3:36
